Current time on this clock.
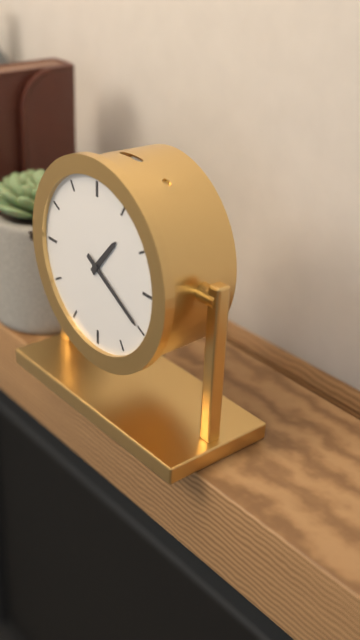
1:20
